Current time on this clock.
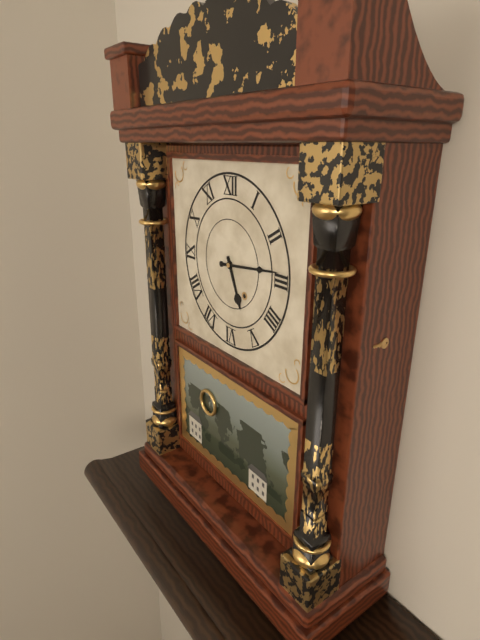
5:14
